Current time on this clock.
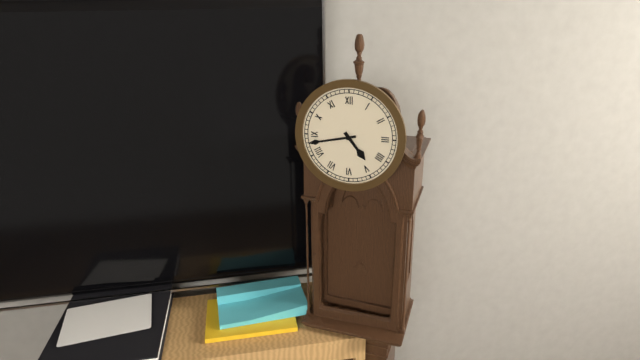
4:43
